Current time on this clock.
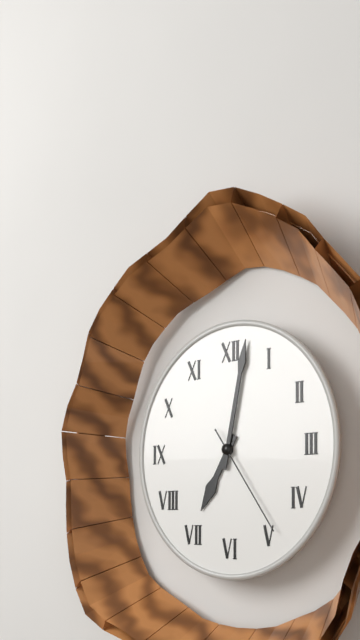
7:02:24
